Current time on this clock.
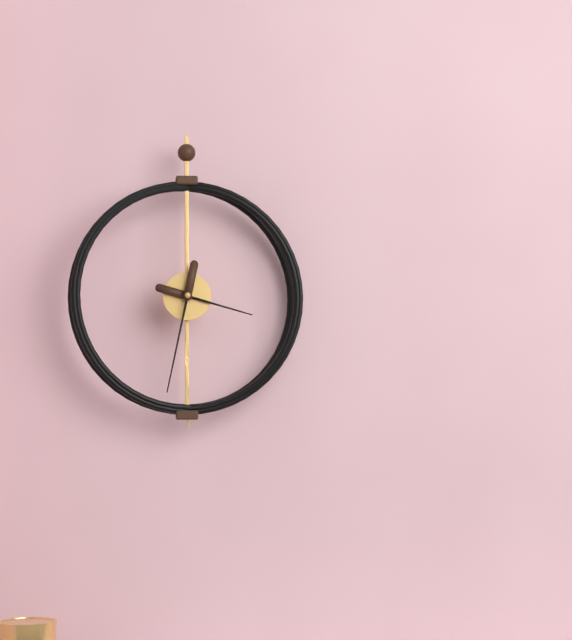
3:32
